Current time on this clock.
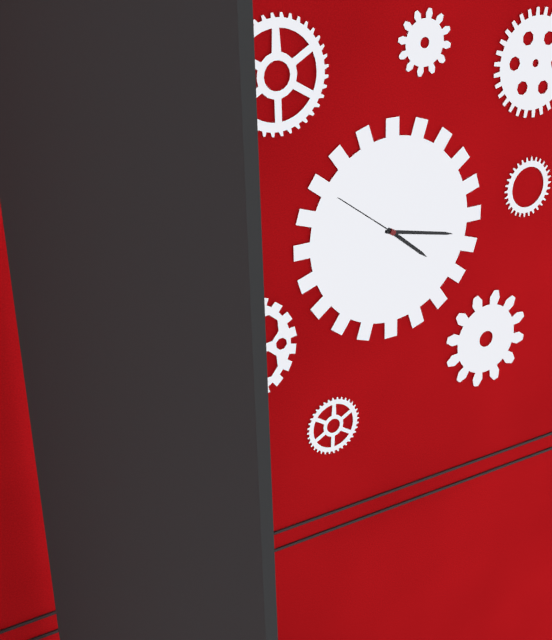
4:17:51
